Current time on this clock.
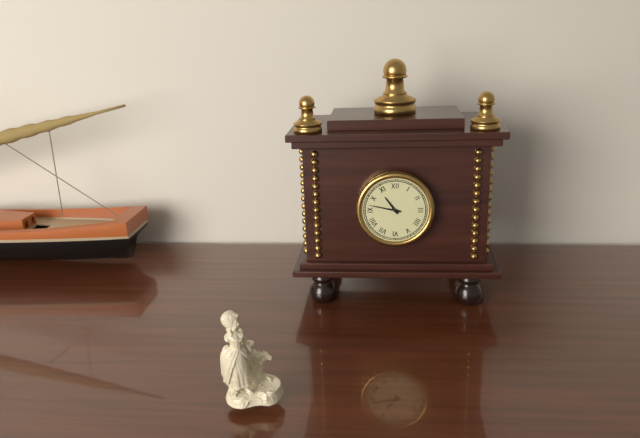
10:47
